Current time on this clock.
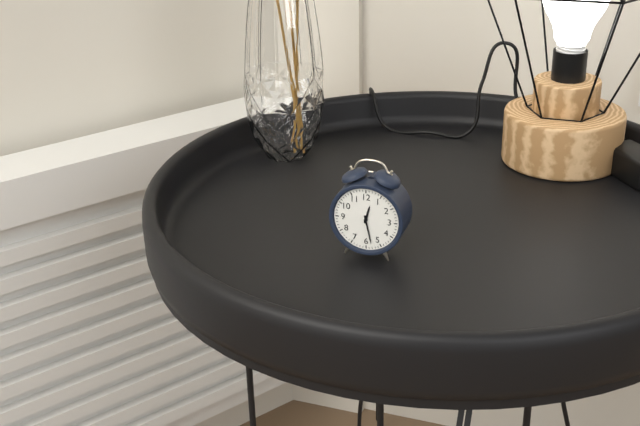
12:28
